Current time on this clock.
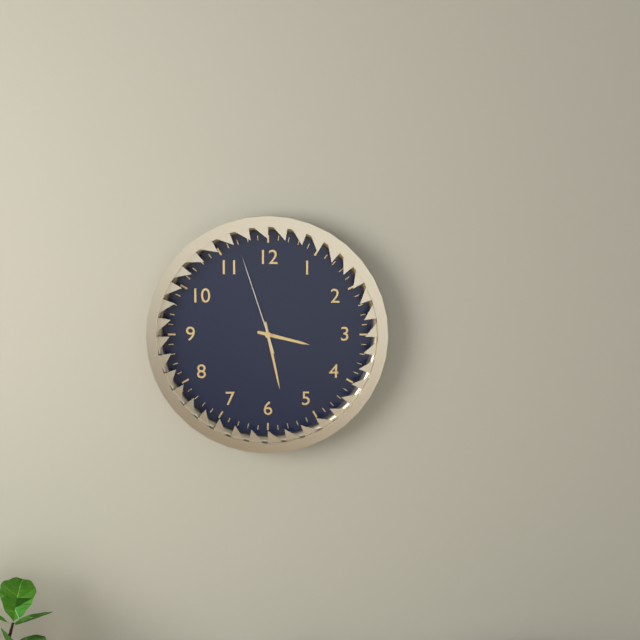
3:28:57
